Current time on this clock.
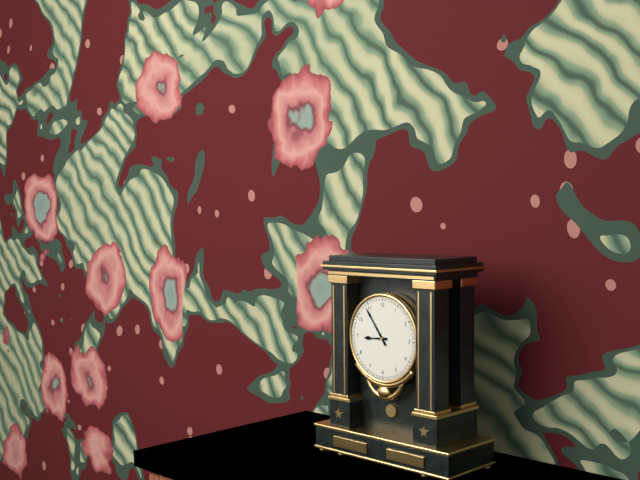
8:54
